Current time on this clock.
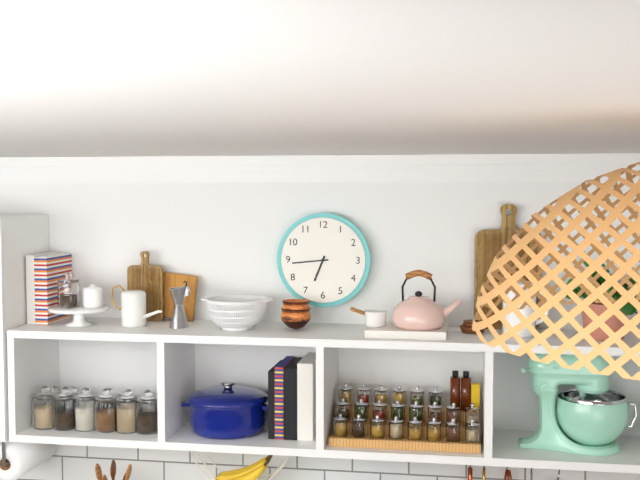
6:44
